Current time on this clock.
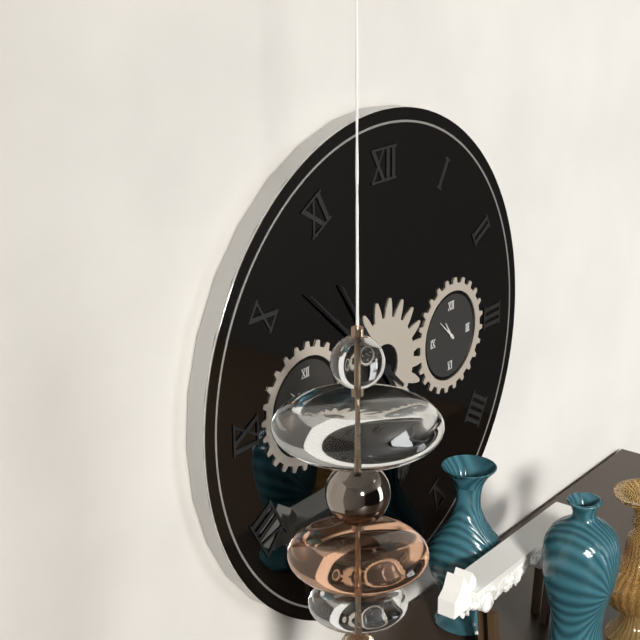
10:52
